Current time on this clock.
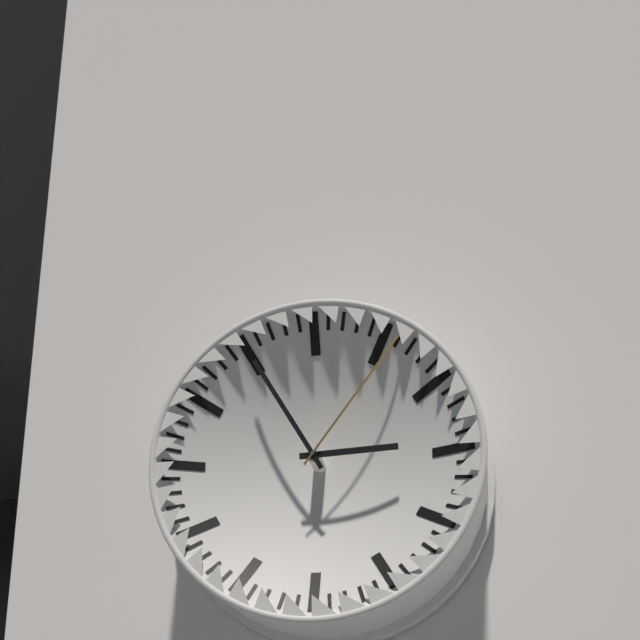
2:55:06
